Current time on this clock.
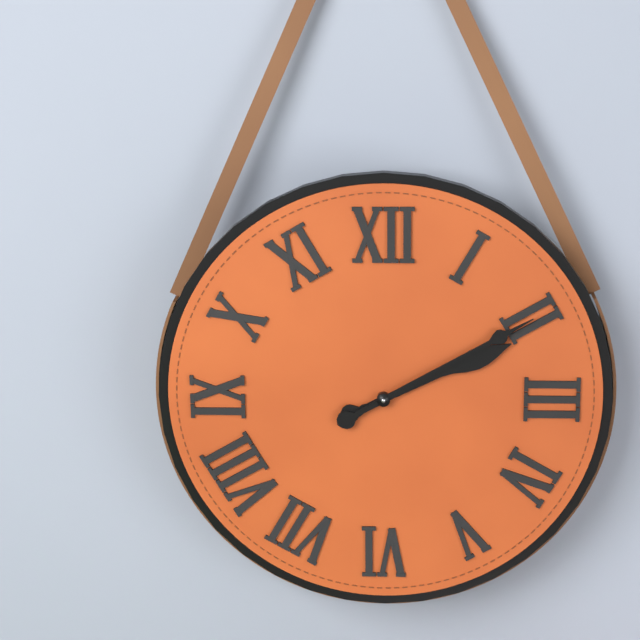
2:10
